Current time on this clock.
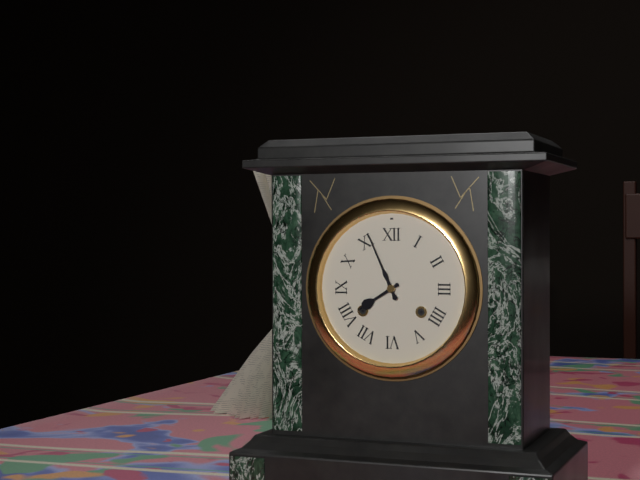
7:56
